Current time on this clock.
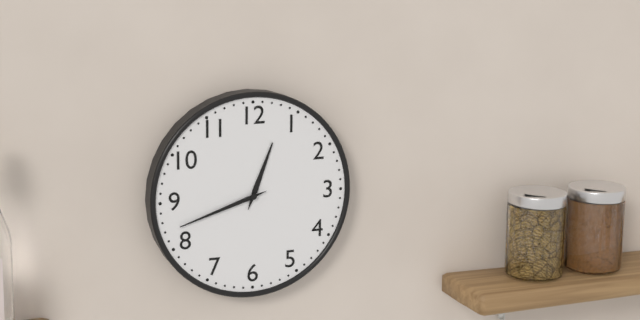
12:42
